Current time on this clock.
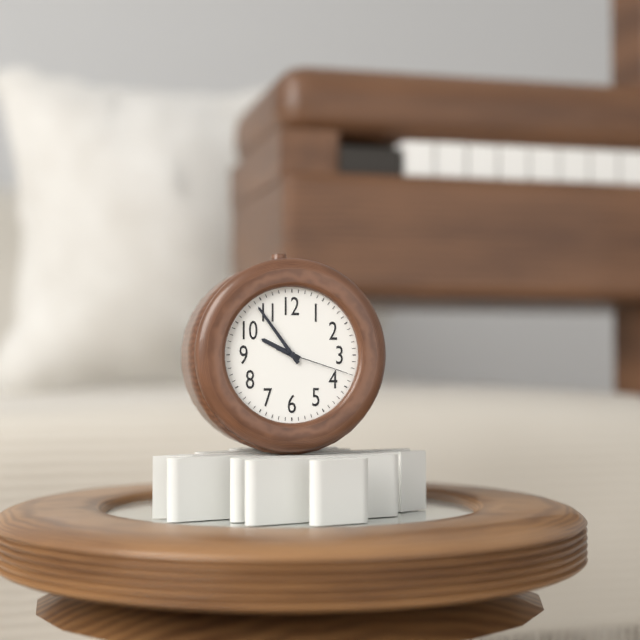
9:54:18
